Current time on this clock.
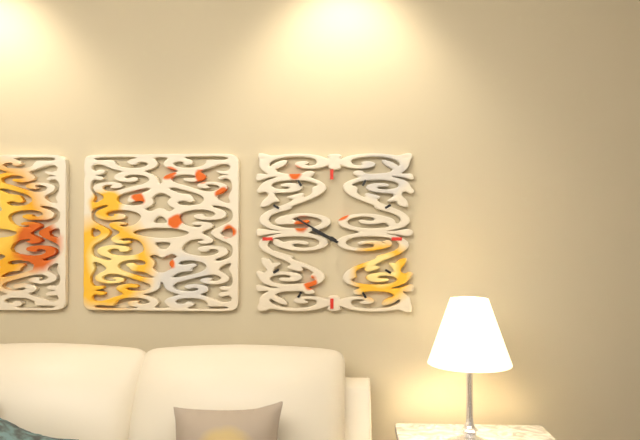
9:50
